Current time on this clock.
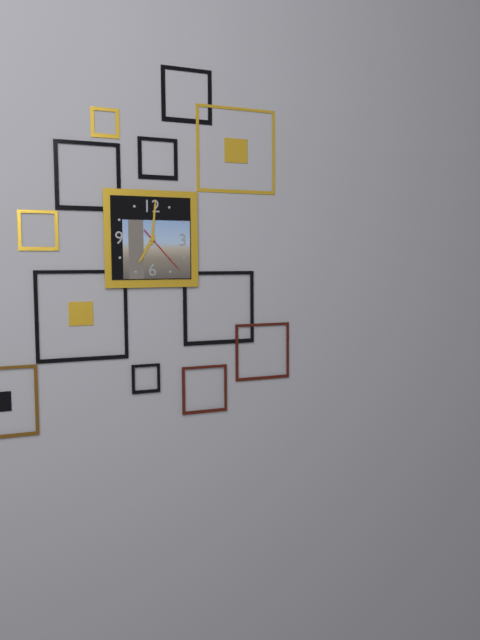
7:01:23
